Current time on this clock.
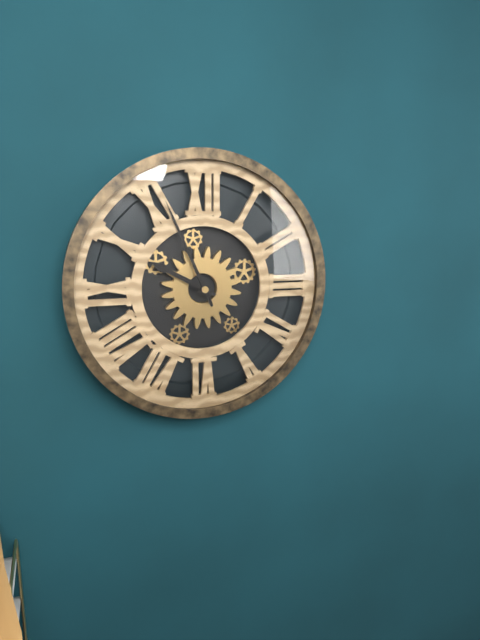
9:56
